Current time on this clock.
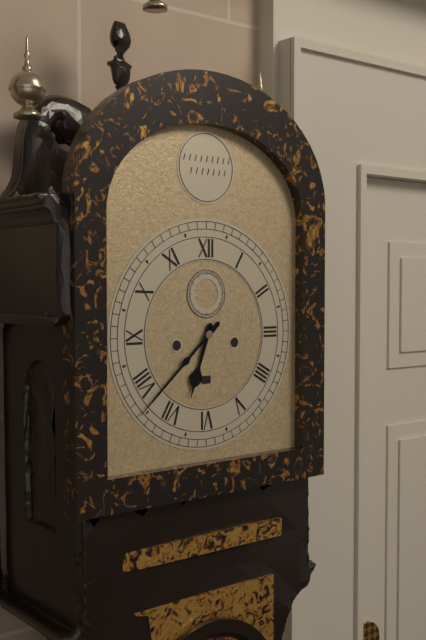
6:38
